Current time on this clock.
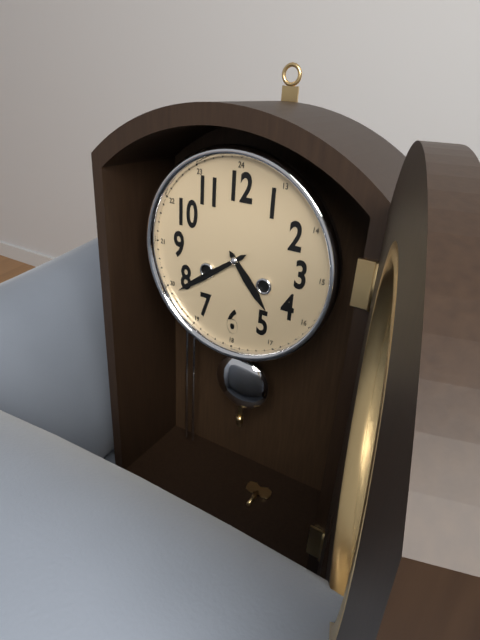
4:39
